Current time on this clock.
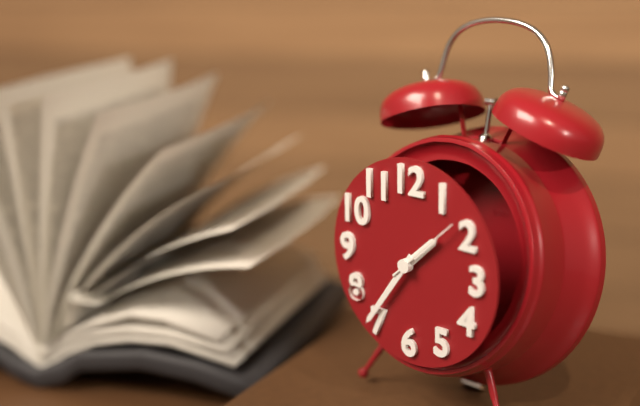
1:36:08
